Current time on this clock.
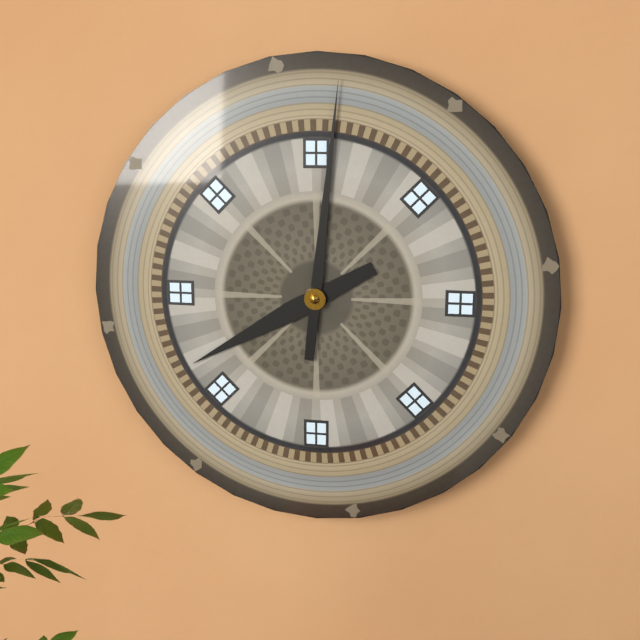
8:01
